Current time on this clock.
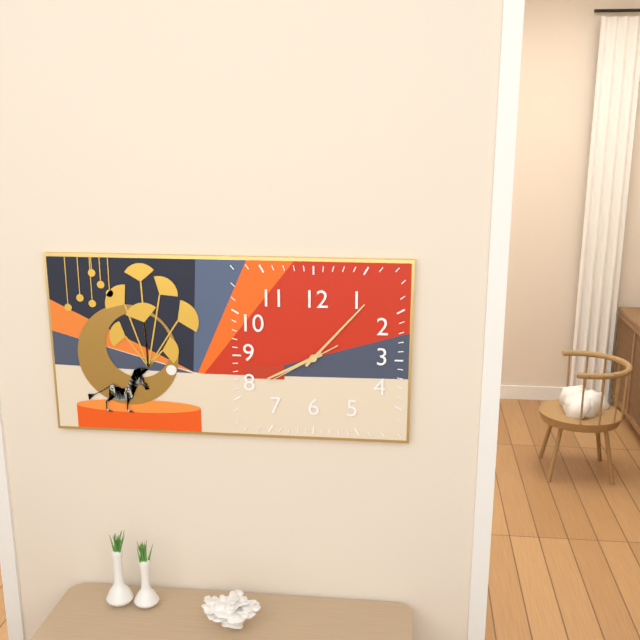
8:07:40
